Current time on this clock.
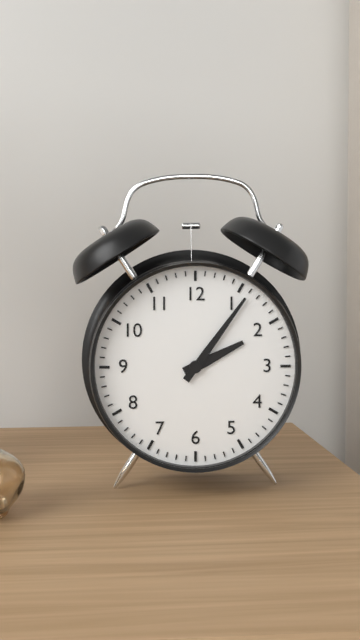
2:06
